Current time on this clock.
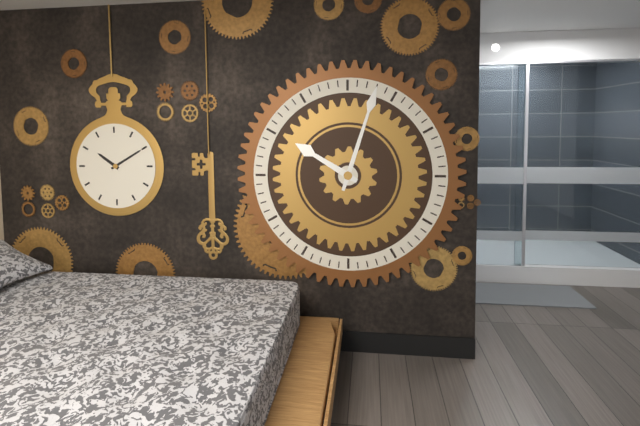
10:03
